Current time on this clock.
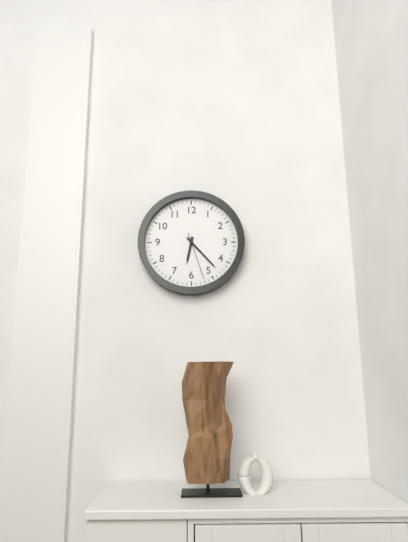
6:23
